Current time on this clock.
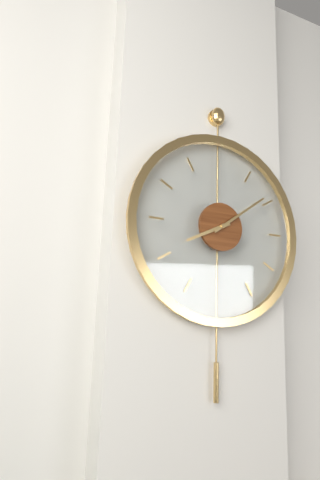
8:09
